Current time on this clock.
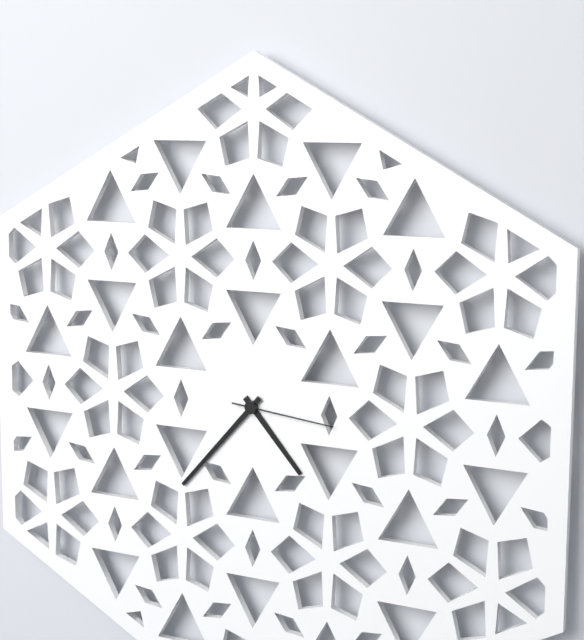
4:37:16
